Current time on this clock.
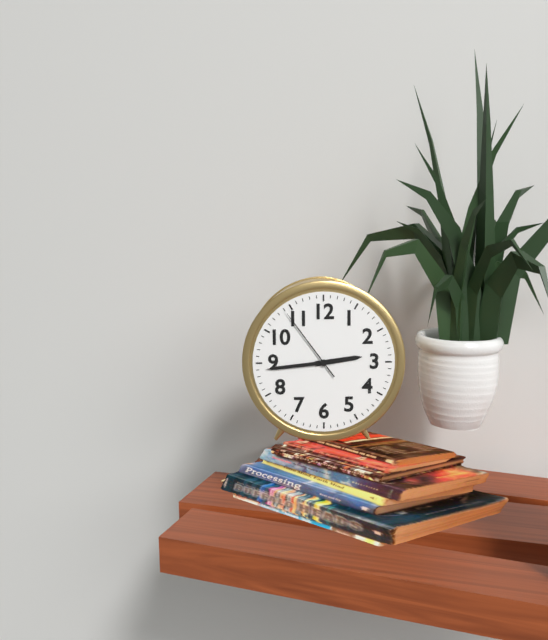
2:44:54
